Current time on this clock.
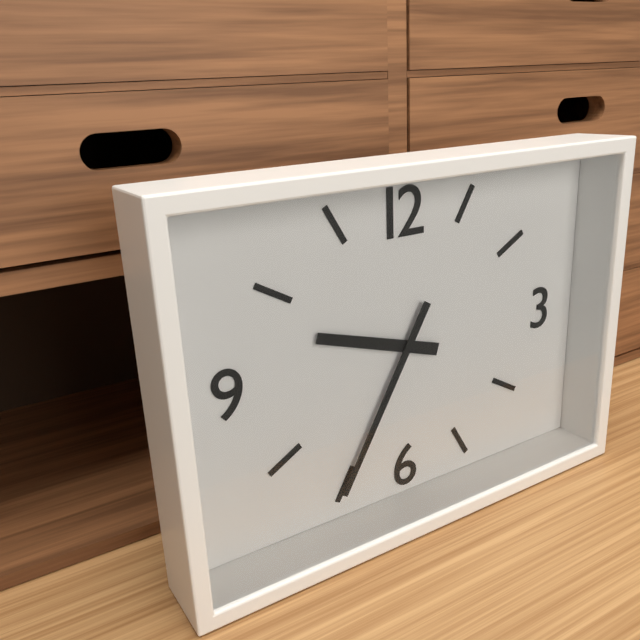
9:35
